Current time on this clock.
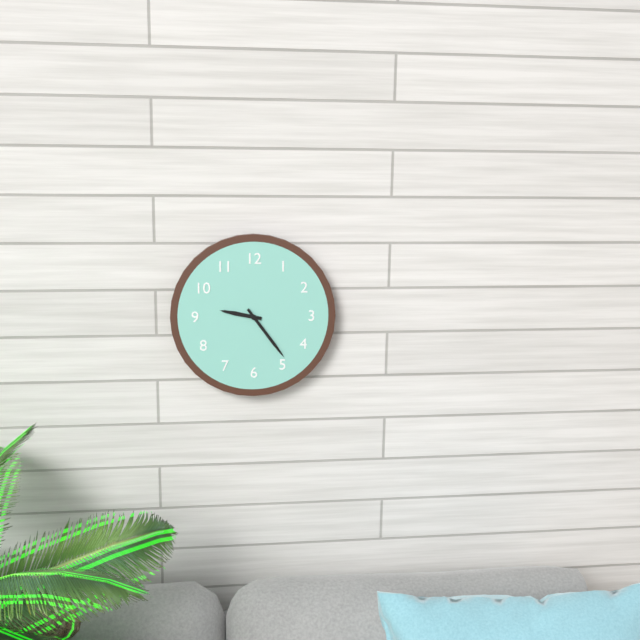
9:24
